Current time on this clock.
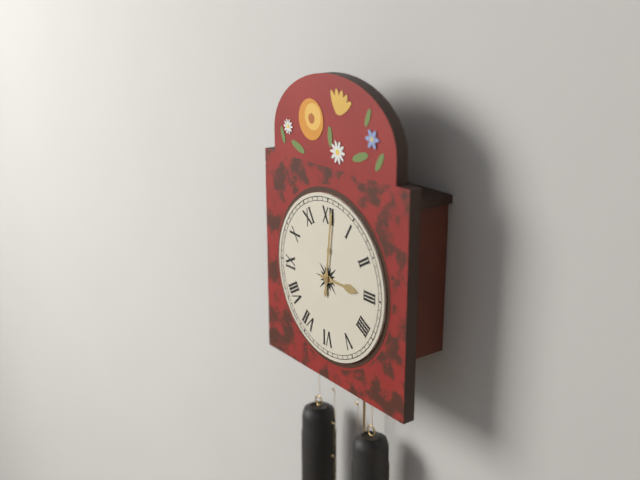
3:01
